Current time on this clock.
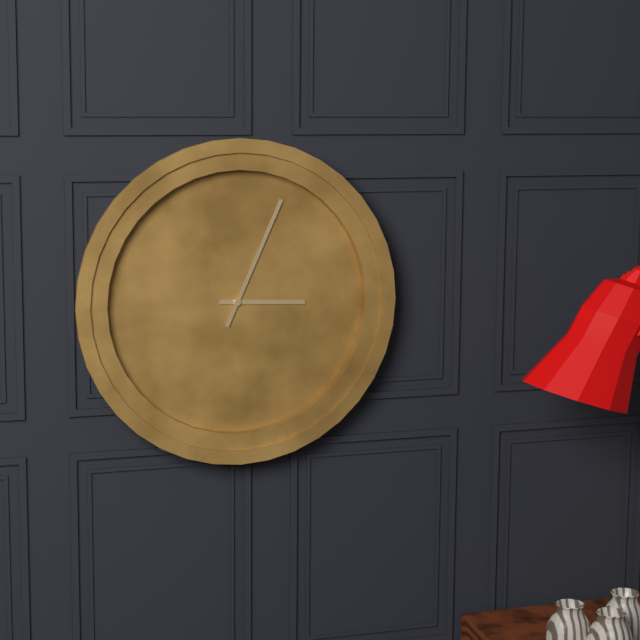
3:04
